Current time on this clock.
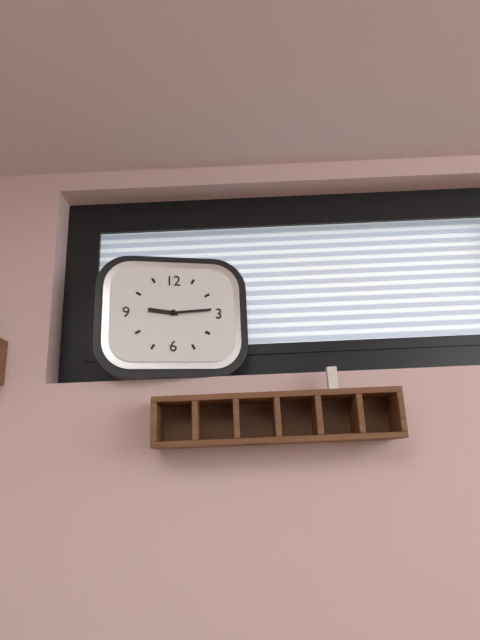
9:14
